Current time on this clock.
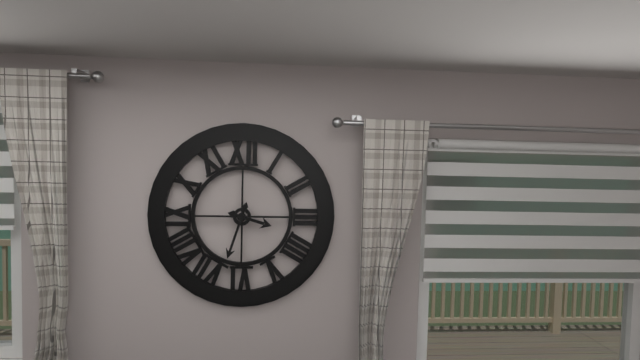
3:33
